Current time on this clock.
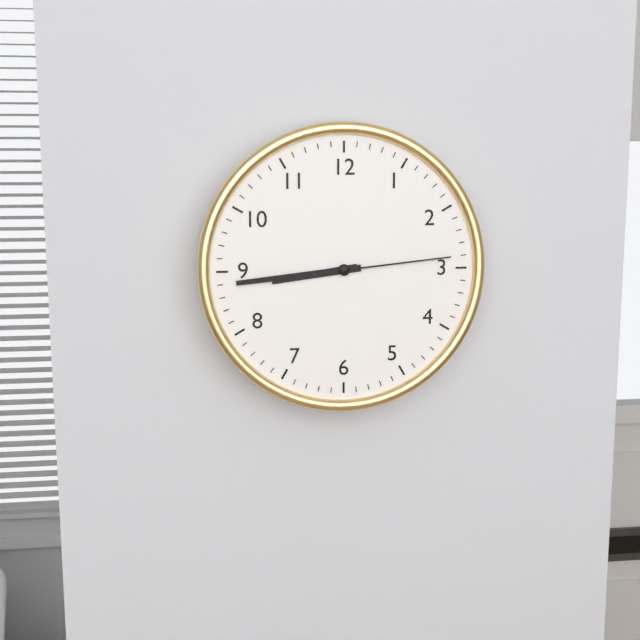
8:44:14
